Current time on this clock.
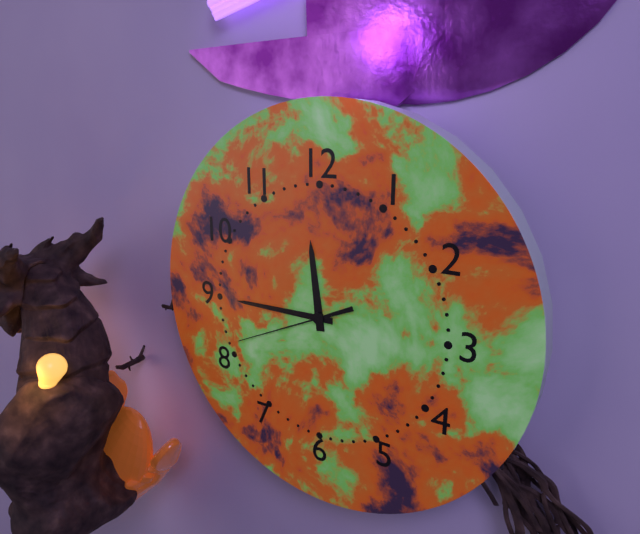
11:45:41
